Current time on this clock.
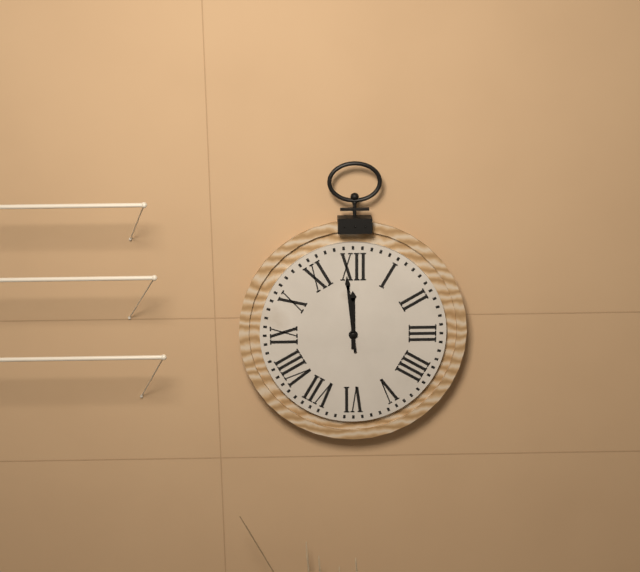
11:59
